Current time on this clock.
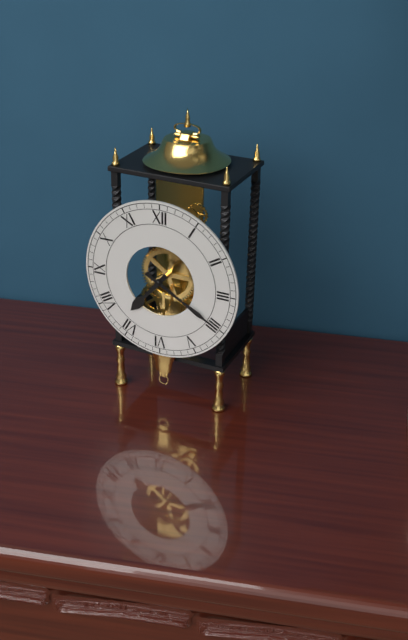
7:20
